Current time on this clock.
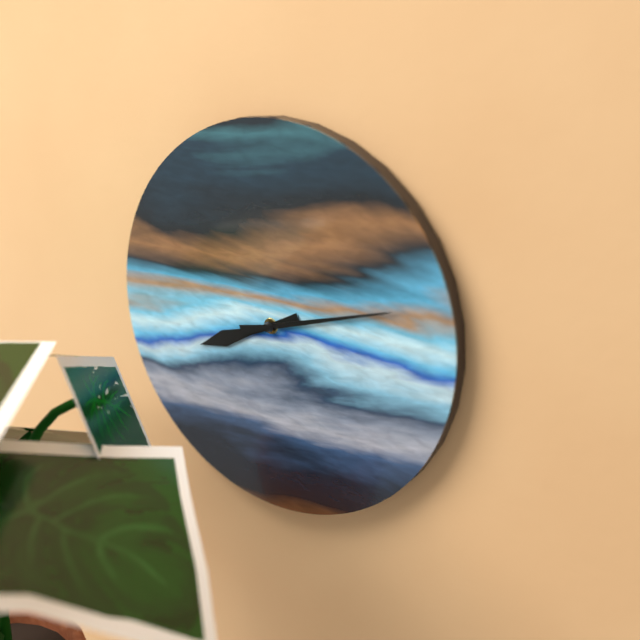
8:12
